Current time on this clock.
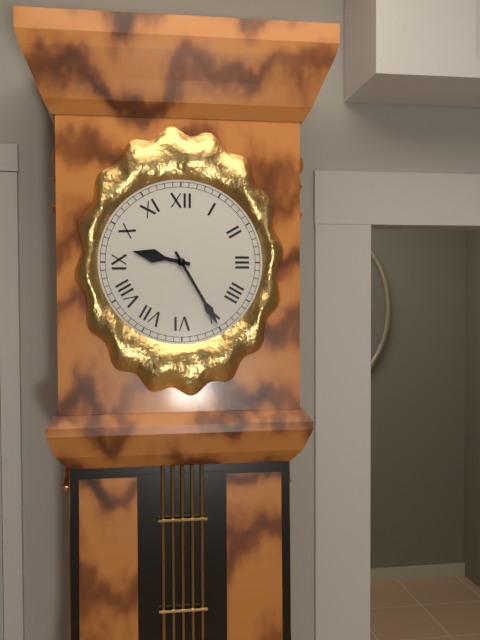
9:25
